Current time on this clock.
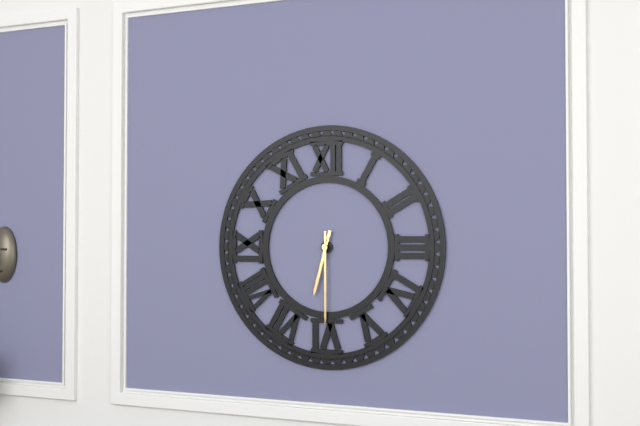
6:30
